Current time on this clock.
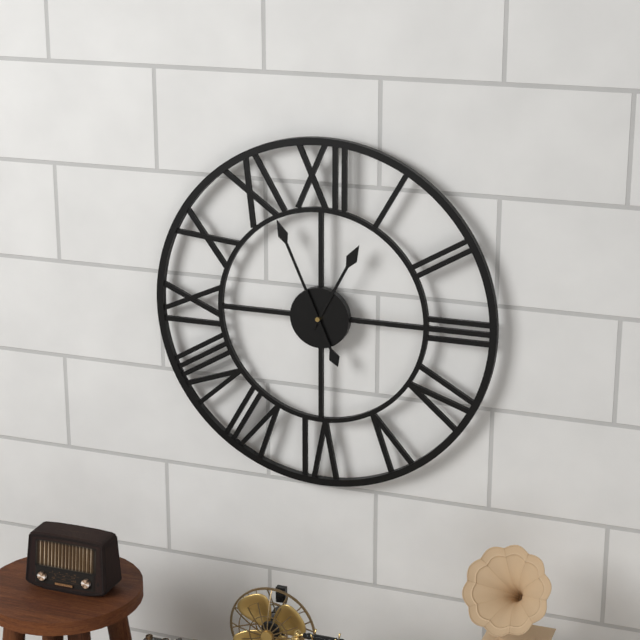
12:56
